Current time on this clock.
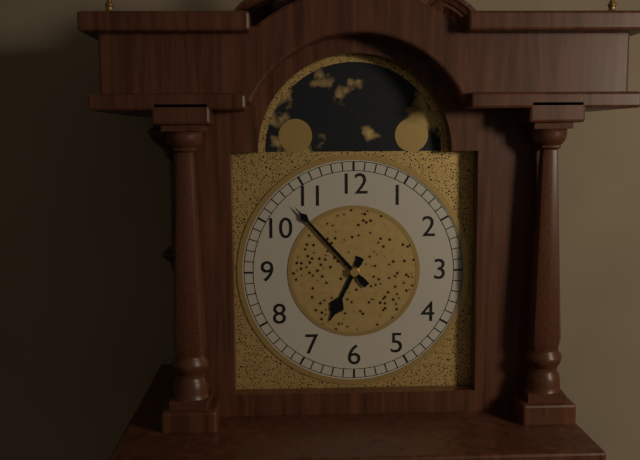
6:53
